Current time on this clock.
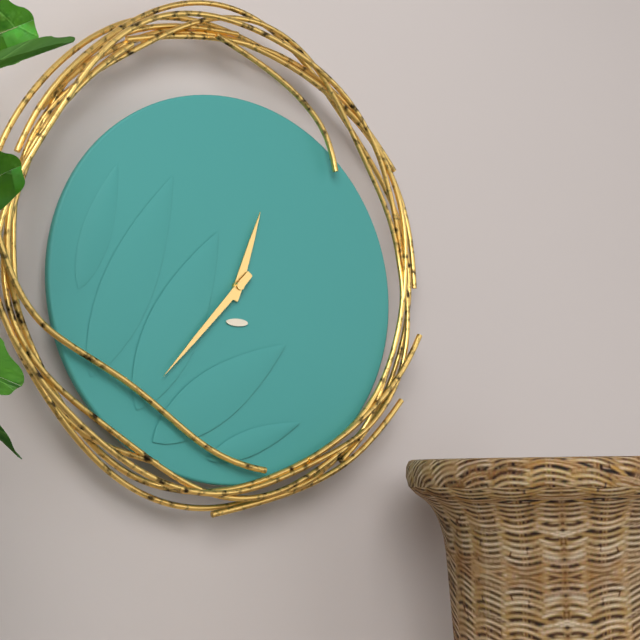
12:37
